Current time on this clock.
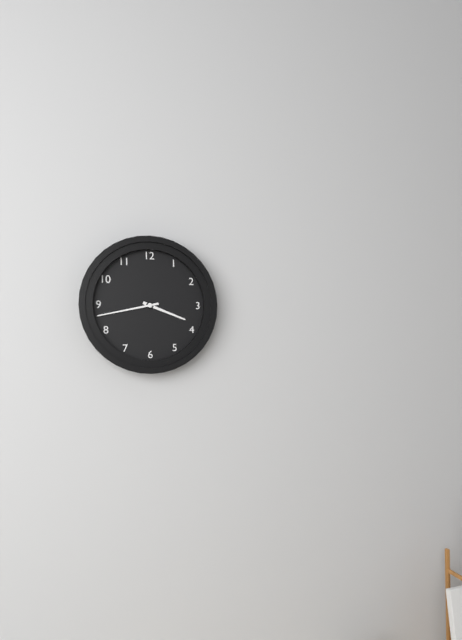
3:43
